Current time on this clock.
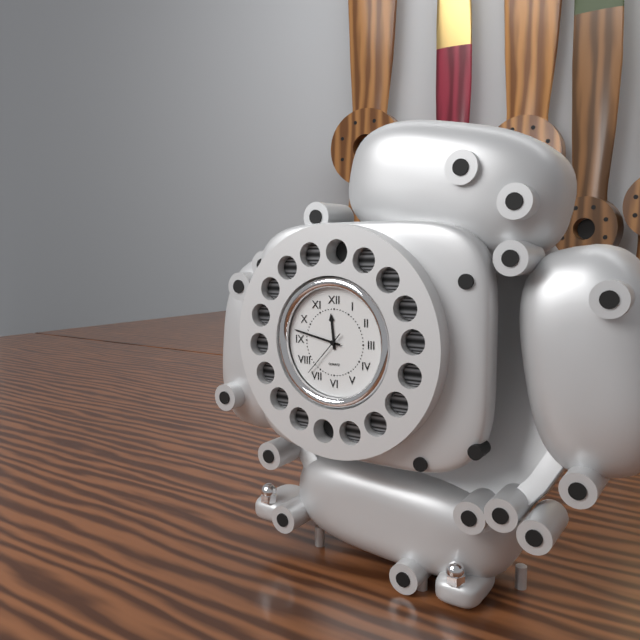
11:47
